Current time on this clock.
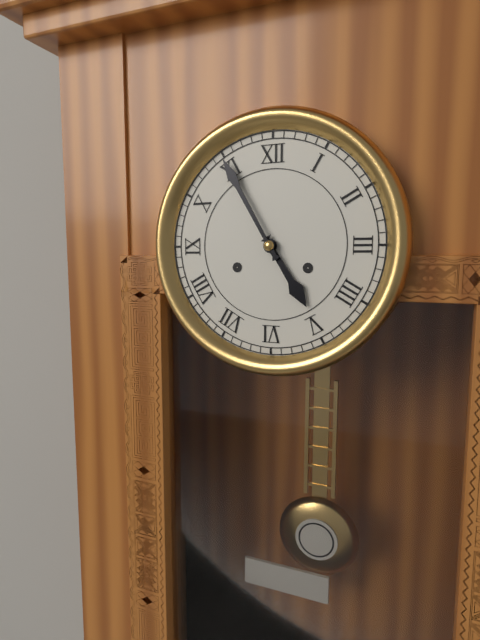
4:55
